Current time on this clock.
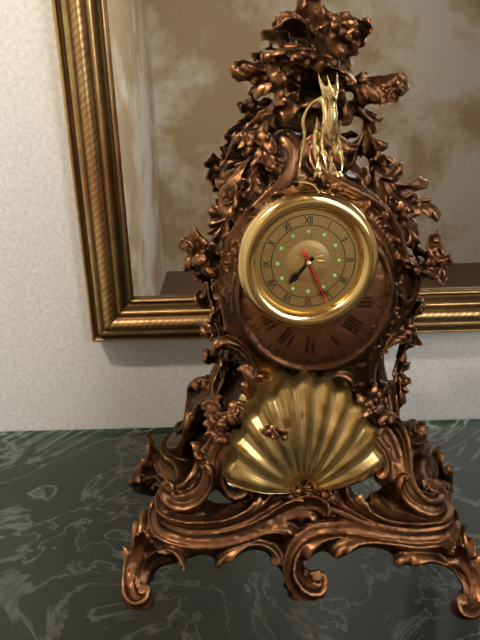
7:26:26
